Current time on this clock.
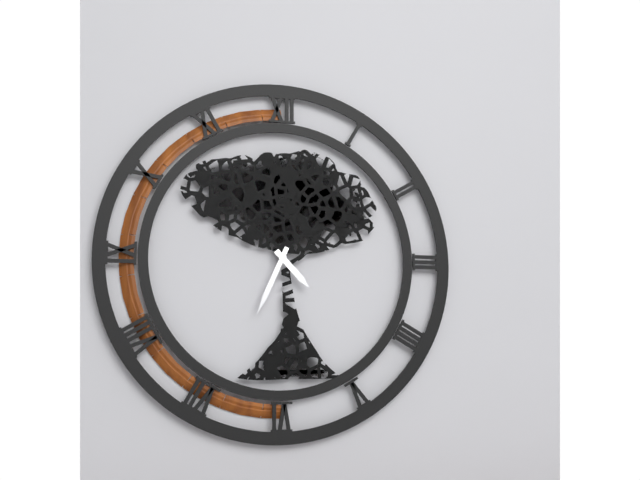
4:34
